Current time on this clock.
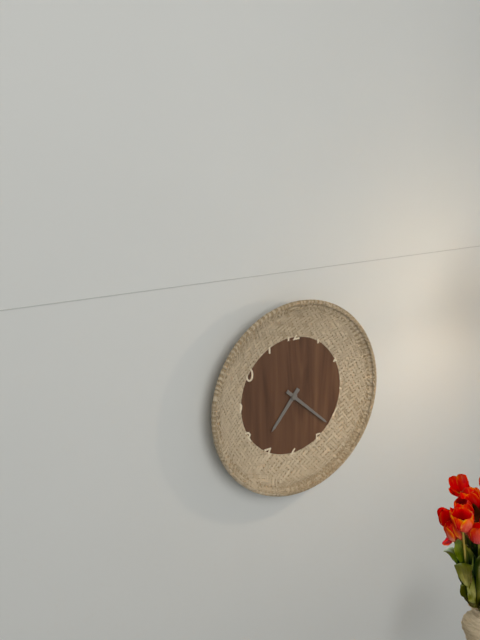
7:22
